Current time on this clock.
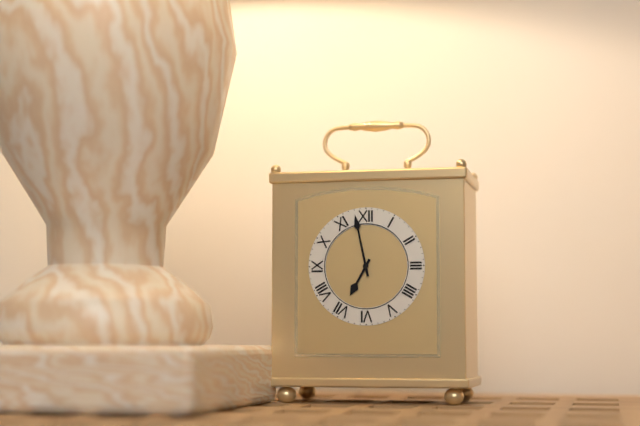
6:58
